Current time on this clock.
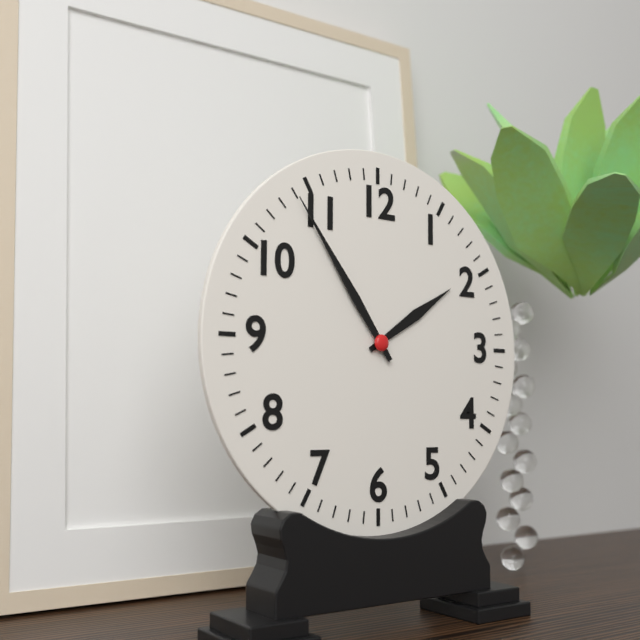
1:54
